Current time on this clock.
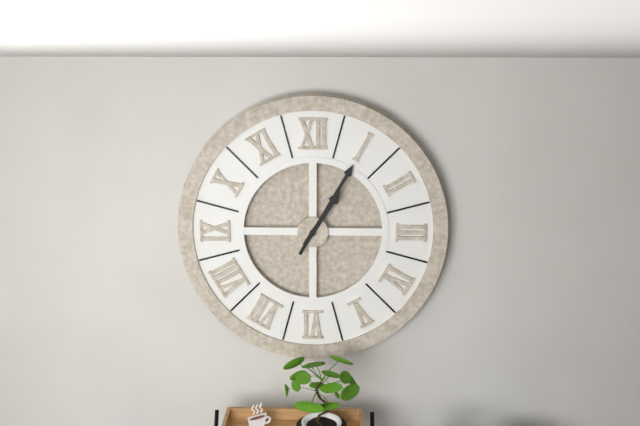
1:05
